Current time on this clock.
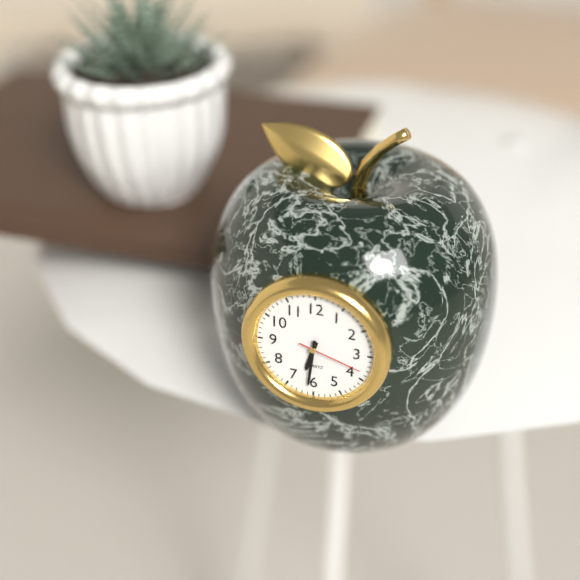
6:31:18
